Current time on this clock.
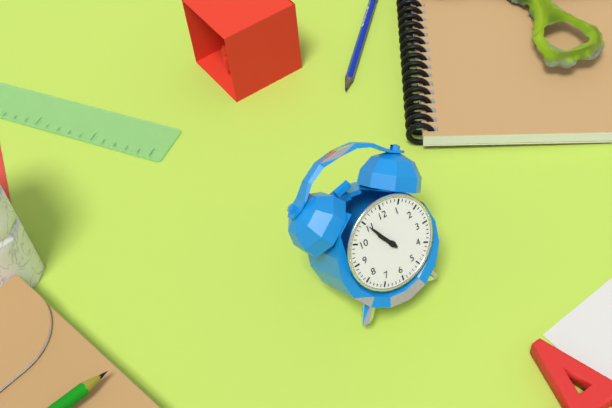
10:55
